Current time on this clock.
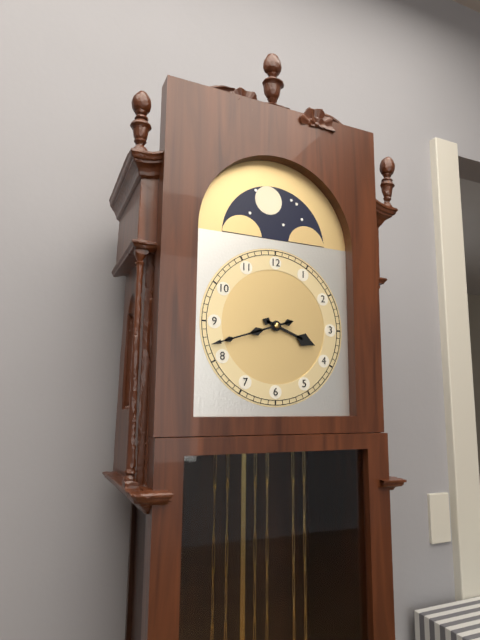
3:42
